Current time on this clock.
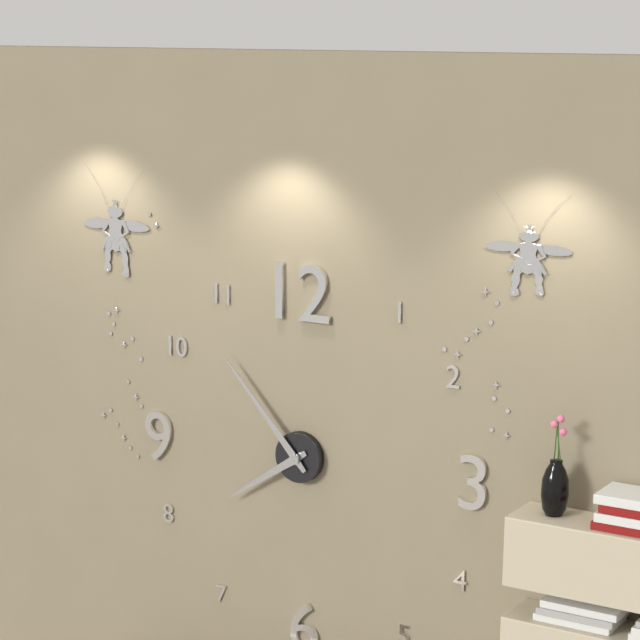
7:53
